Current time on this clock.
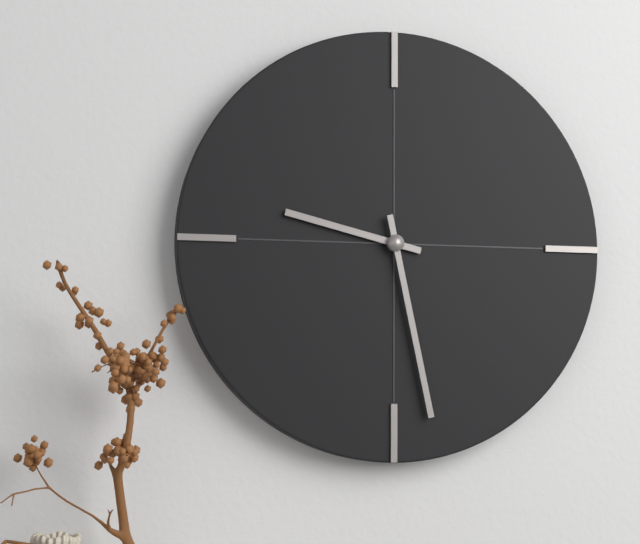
9:28
